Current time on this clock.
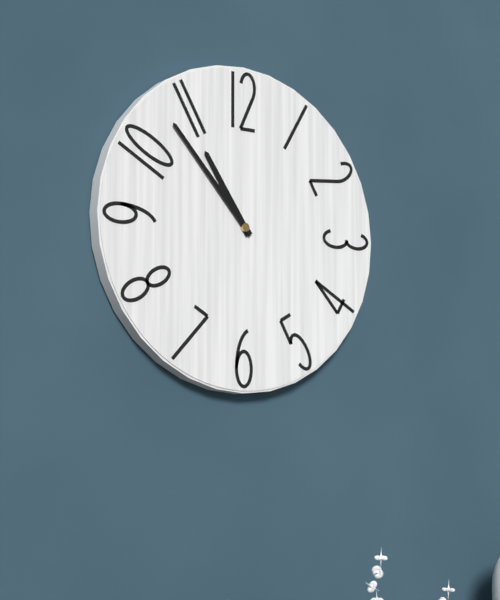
10:53
